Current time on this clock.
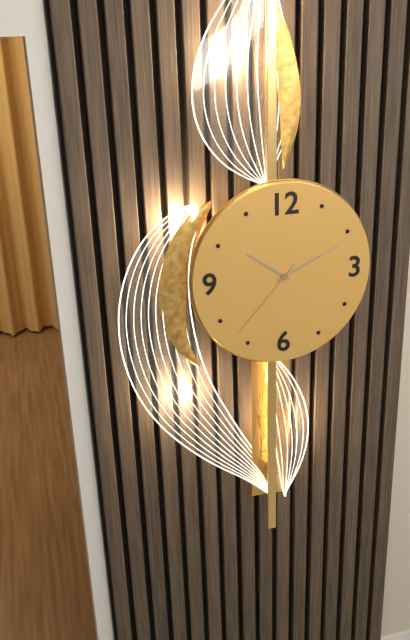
10:11:37
